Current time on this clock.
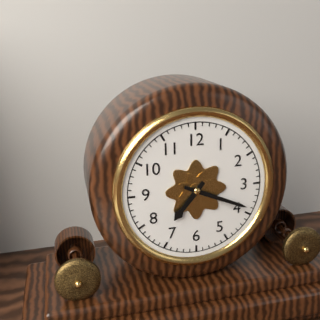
7:19
